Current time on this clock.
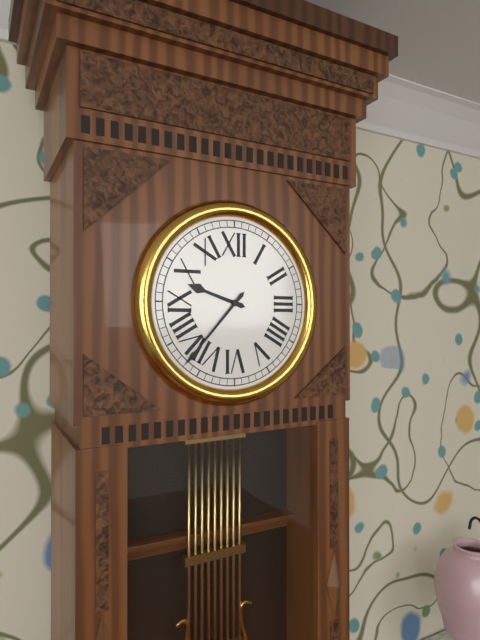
9:37
